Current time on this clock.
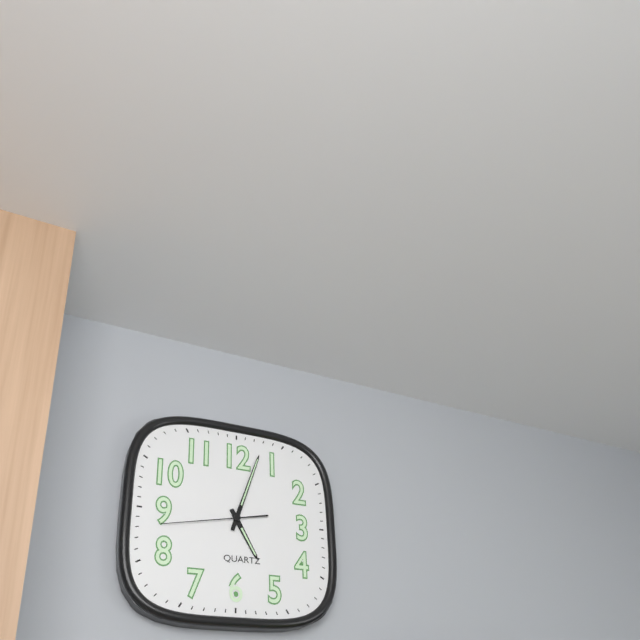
5:03:43
